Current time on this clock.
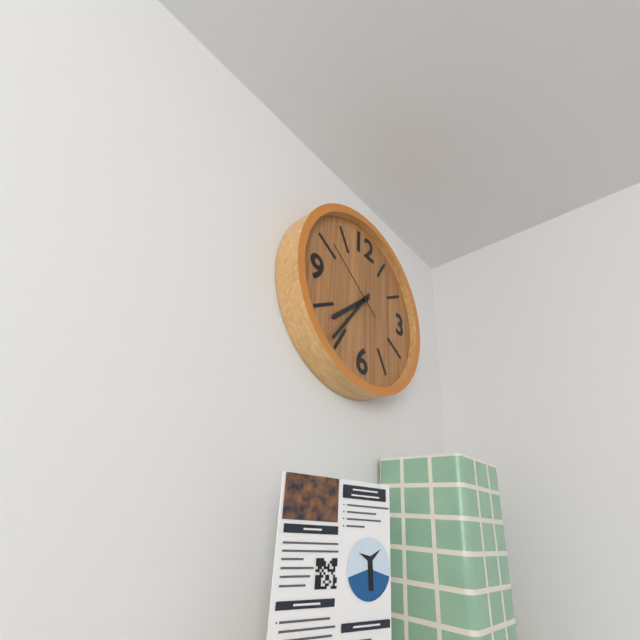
7:36:51
